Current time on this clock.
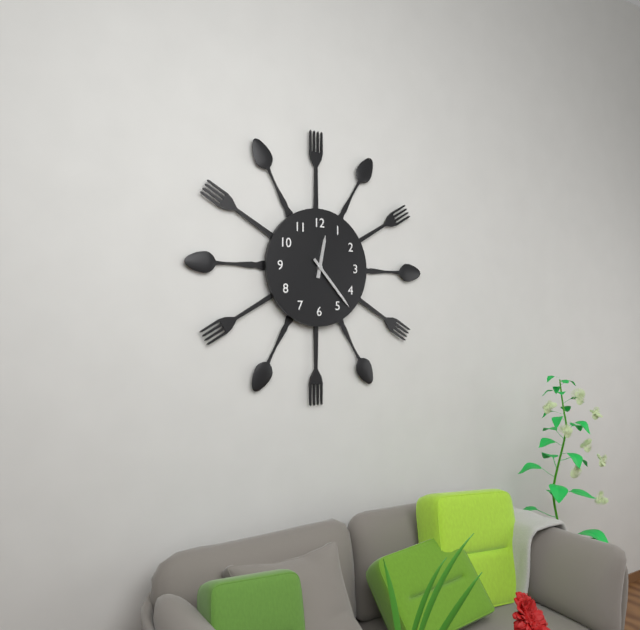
12:23
